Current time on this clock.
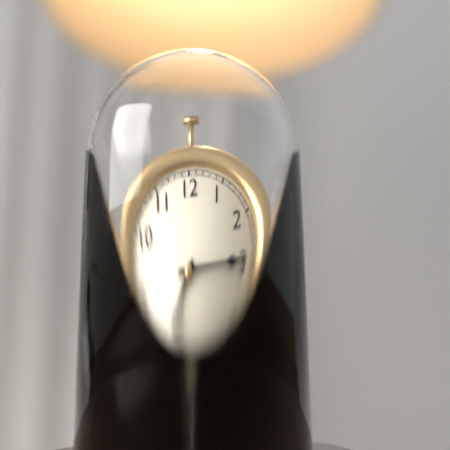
7:15
